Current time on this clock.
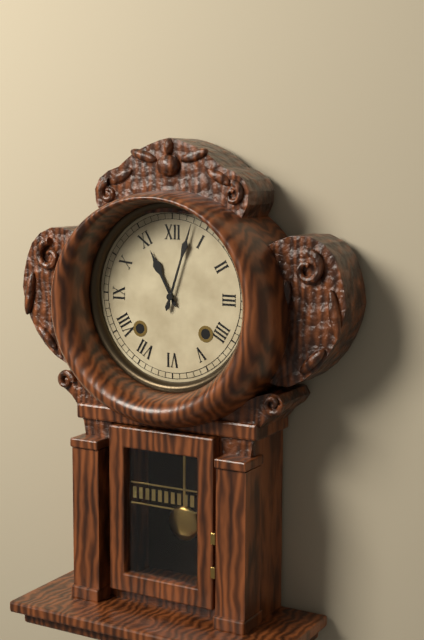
11:03
